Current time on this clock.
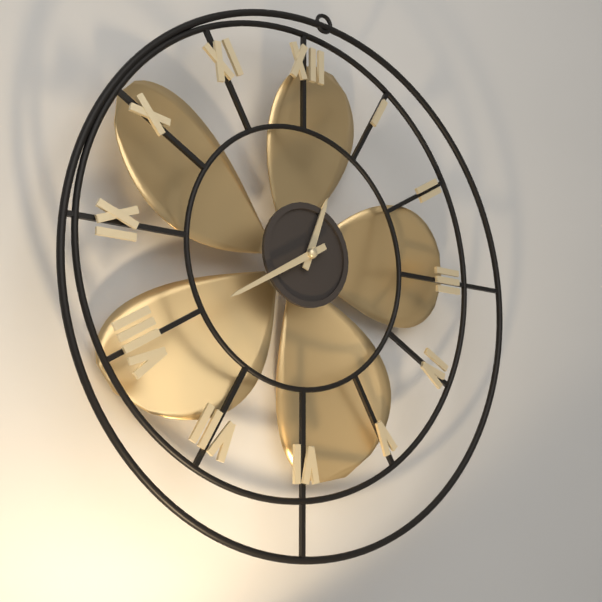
12:40
